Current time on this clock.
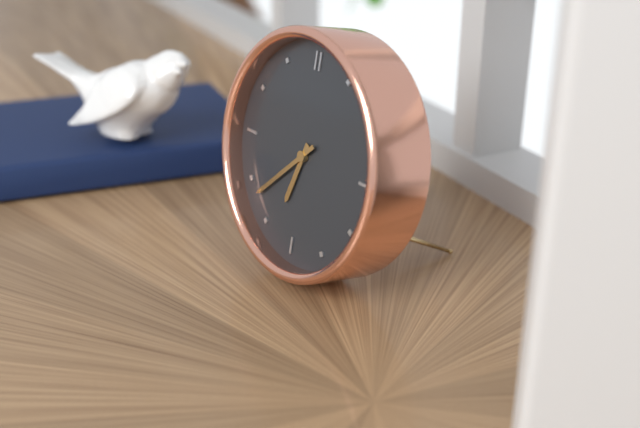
6:38
